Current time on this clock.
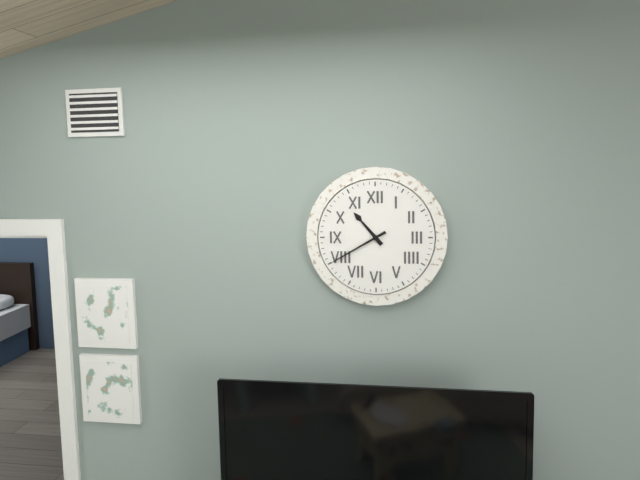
10:40
